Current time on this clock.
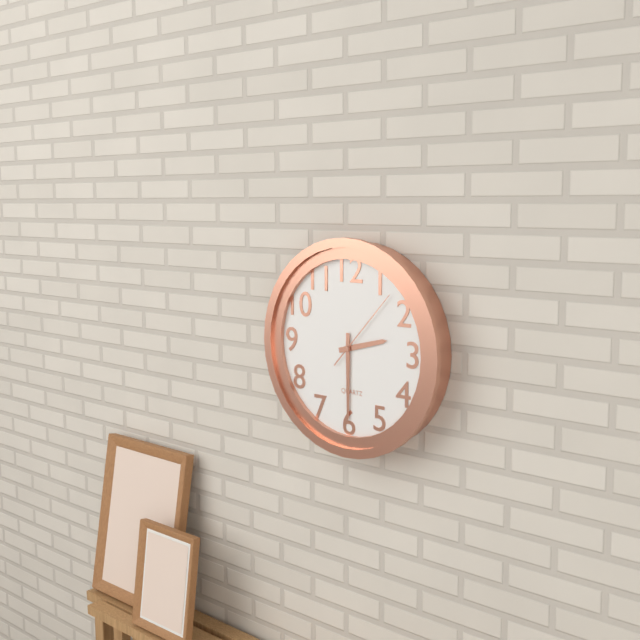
2:30:07
